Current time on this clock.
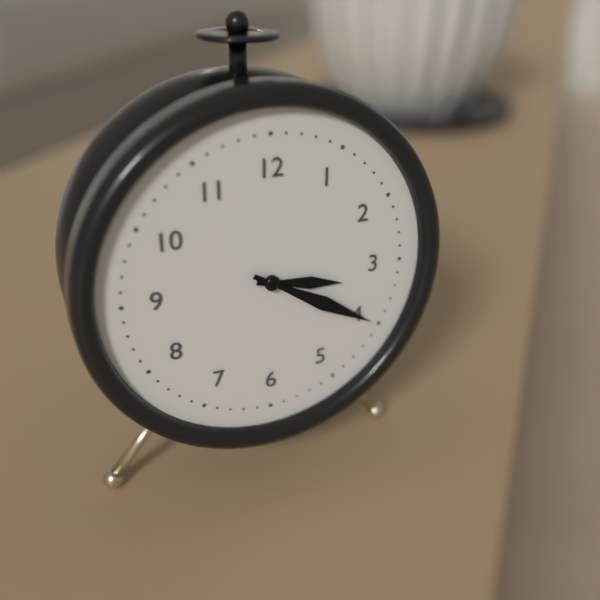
3:20
